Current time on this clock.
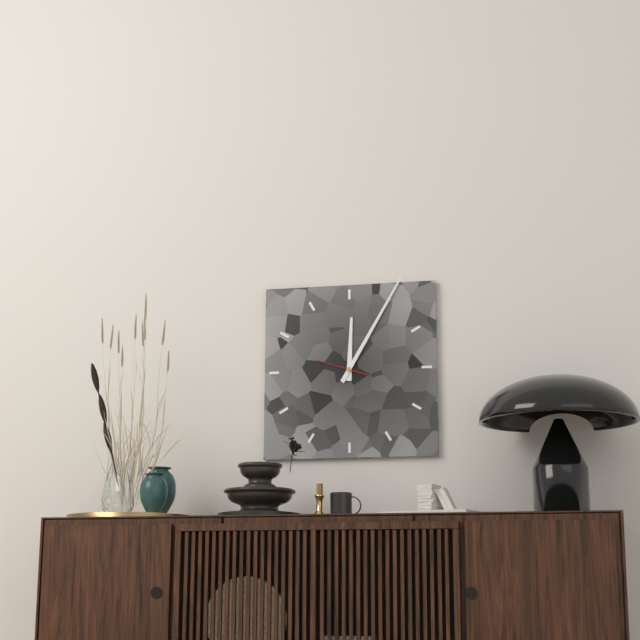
12:05
